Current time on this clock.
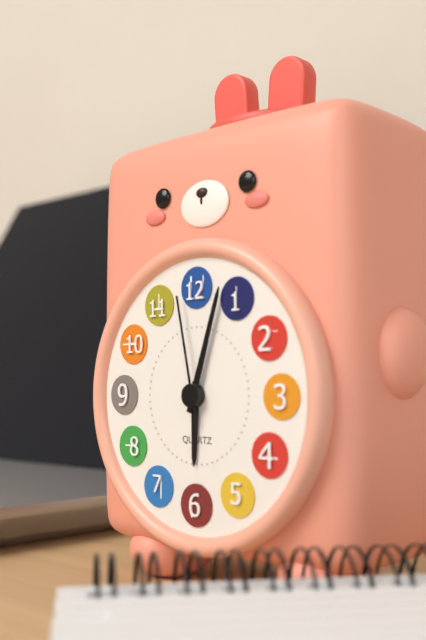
6:03:58
